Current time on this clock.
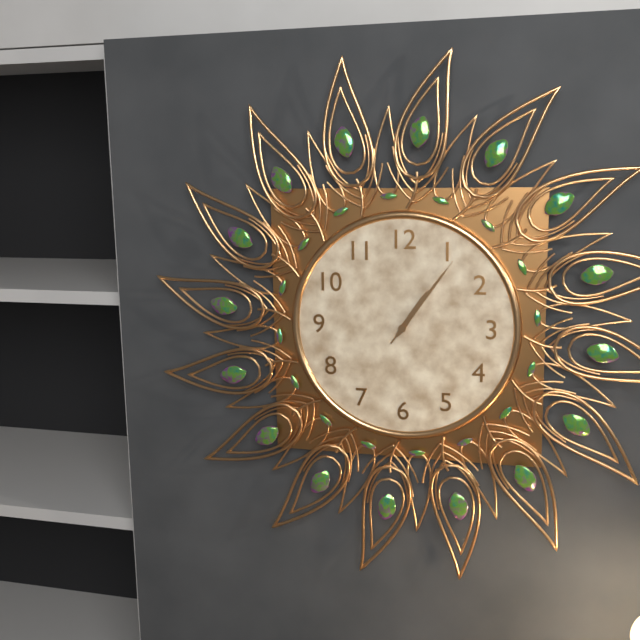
1:06:06
